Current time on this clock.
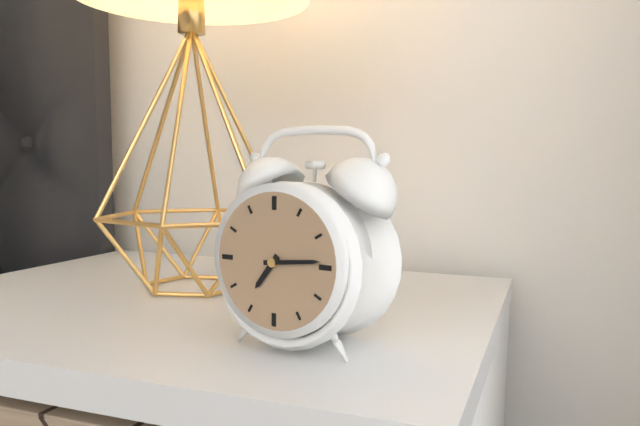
7:14
